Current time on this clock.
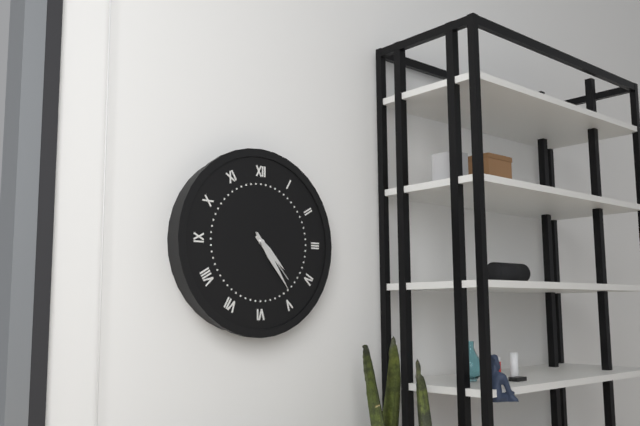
4:24:23
